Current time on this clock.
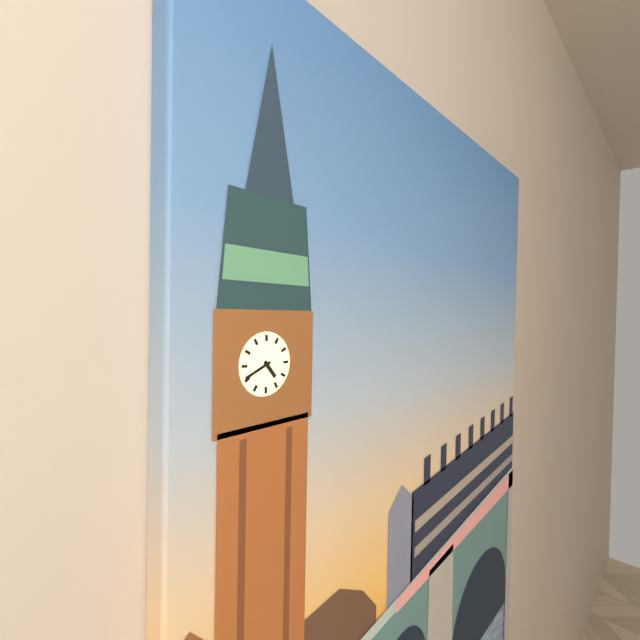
4:41
